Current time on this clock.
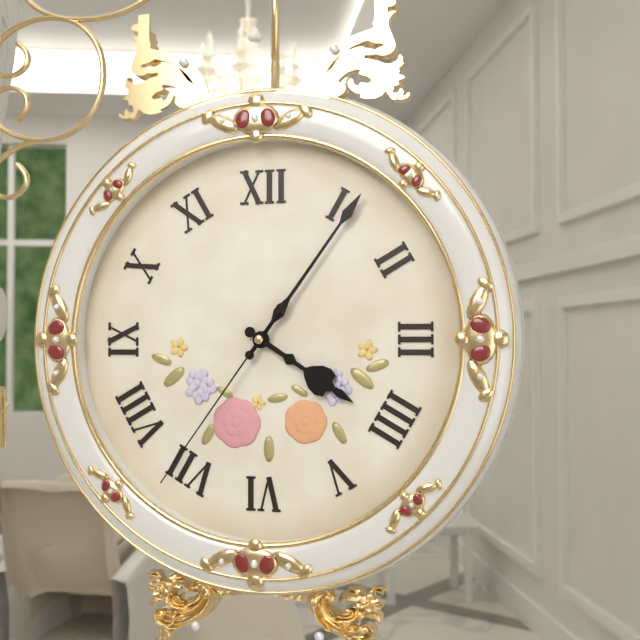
4:06:36
